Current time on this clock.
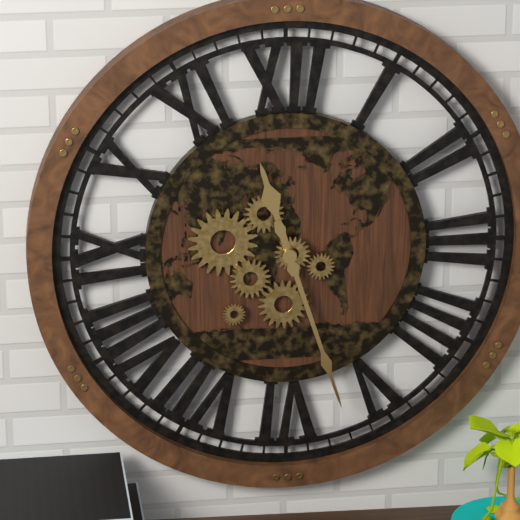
11:27
